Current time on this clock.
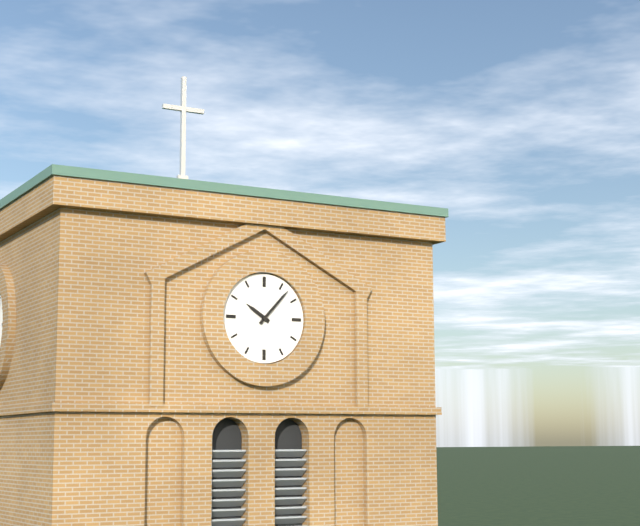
10:07
